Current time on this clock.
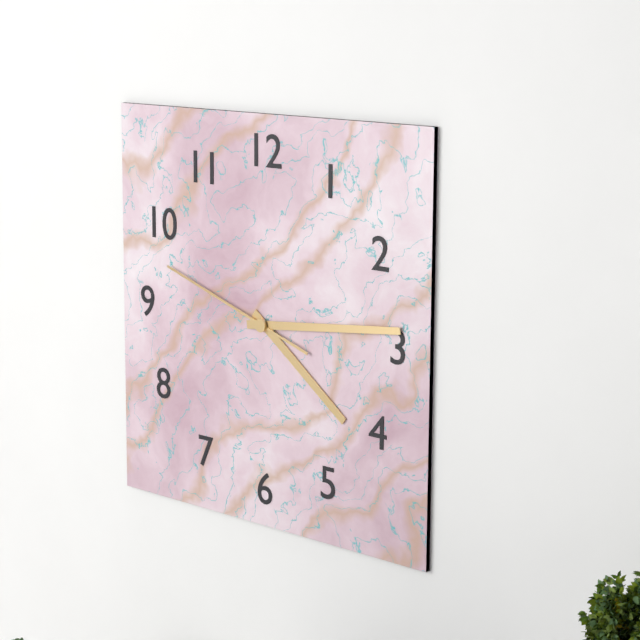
4:14:48
